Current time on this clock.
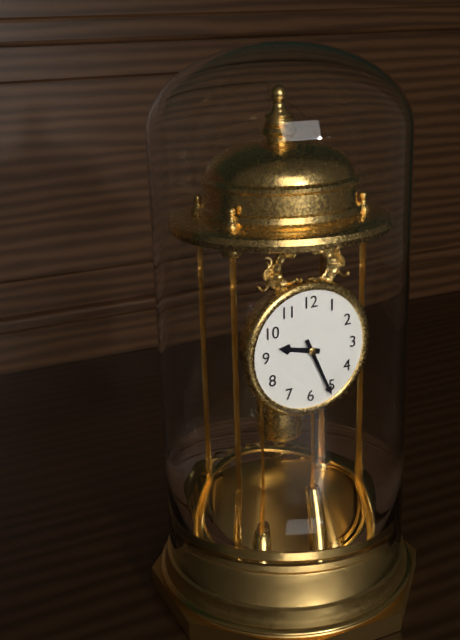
9:26
